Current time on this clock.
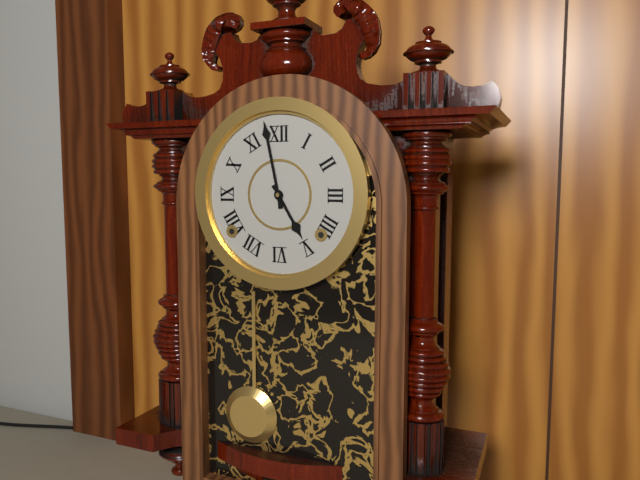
4:58
